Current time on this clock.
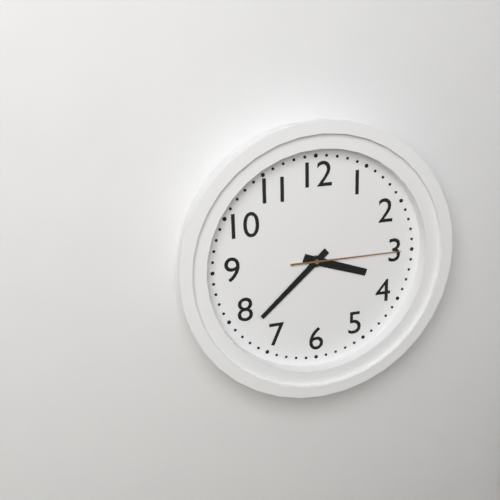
3:38:15
